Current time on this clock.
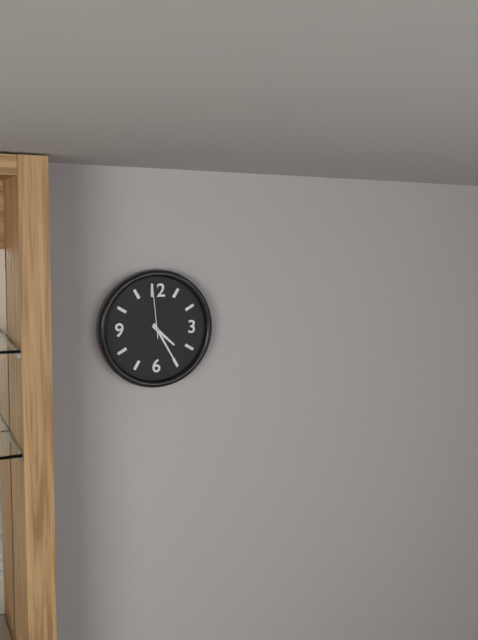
4:25:59
